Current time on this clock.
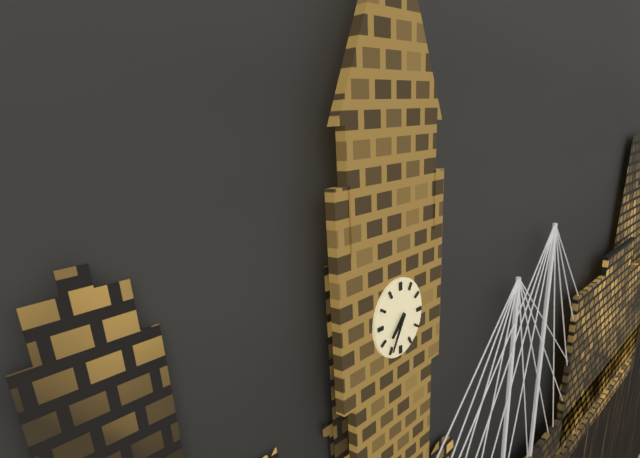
7:35
